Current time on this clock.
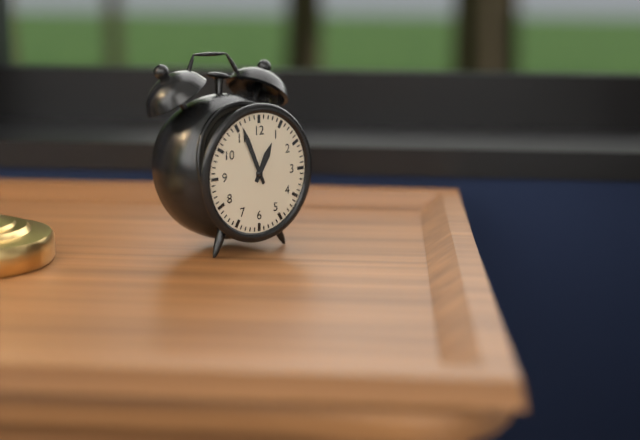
12:56
